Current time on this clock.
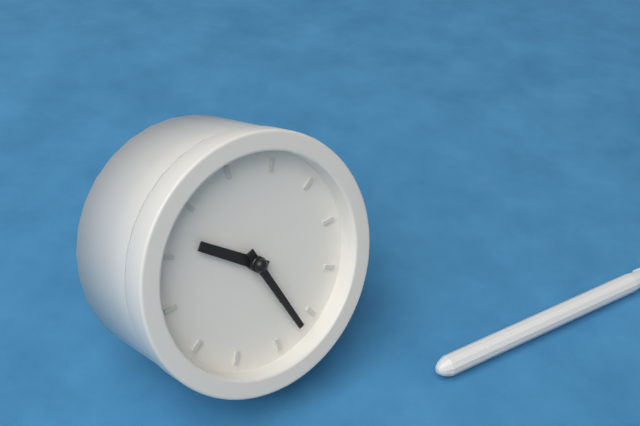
9:22
